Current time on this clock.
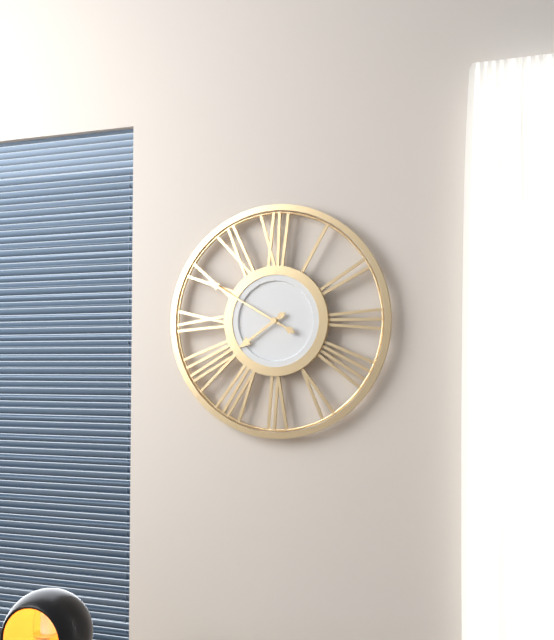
7:50
